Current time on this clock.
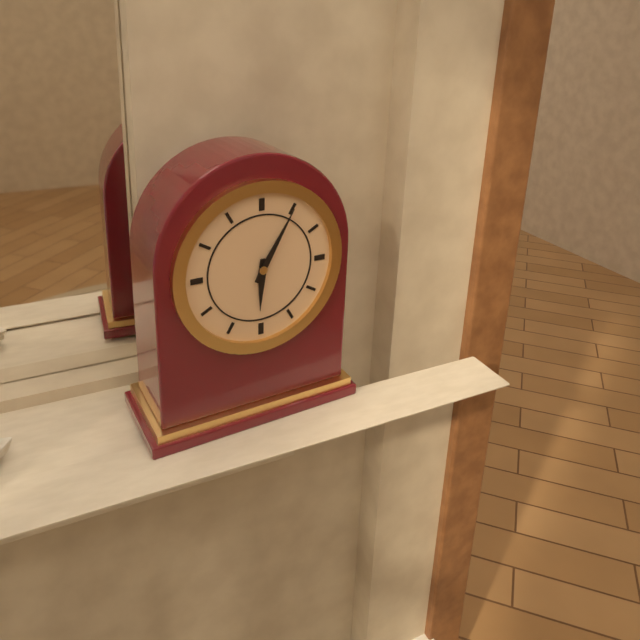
6:05
